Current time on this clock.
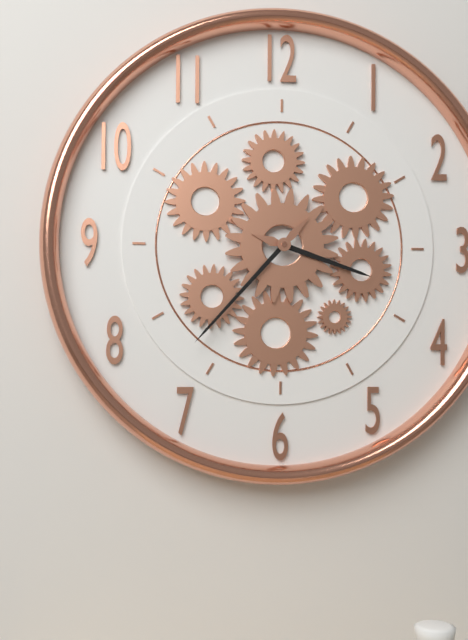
3:37
